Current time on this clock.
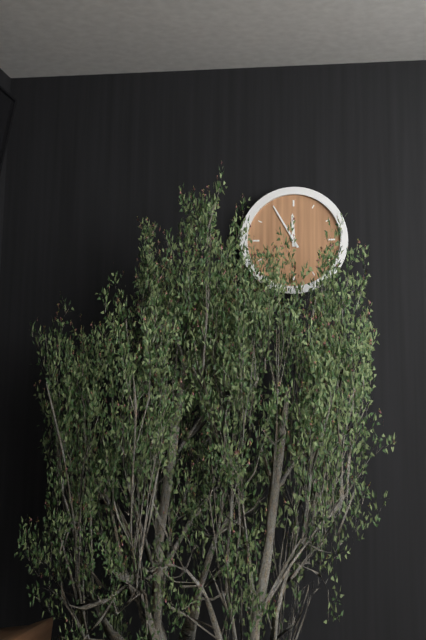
11:55
